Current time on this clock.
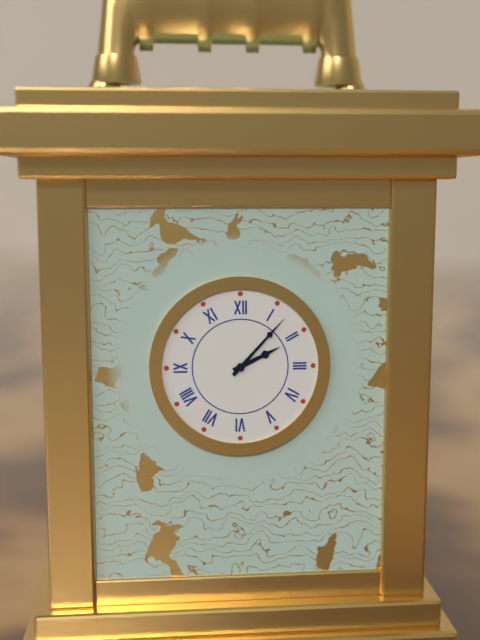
2:07
